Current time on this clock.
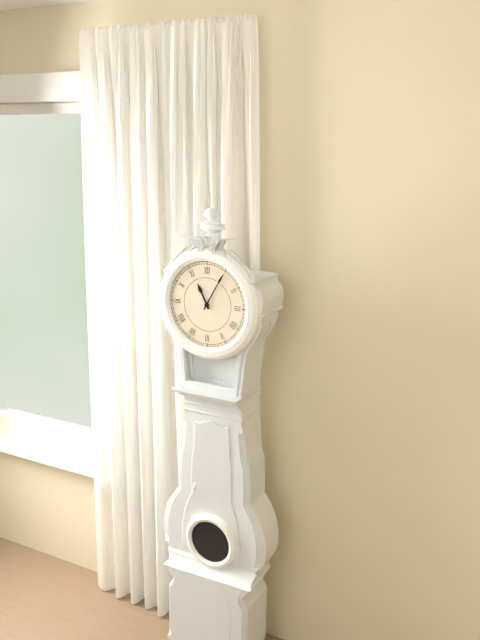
11:05
